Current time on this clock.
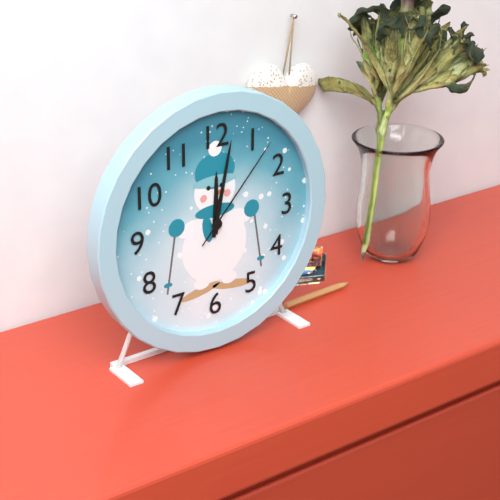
12:02:07
